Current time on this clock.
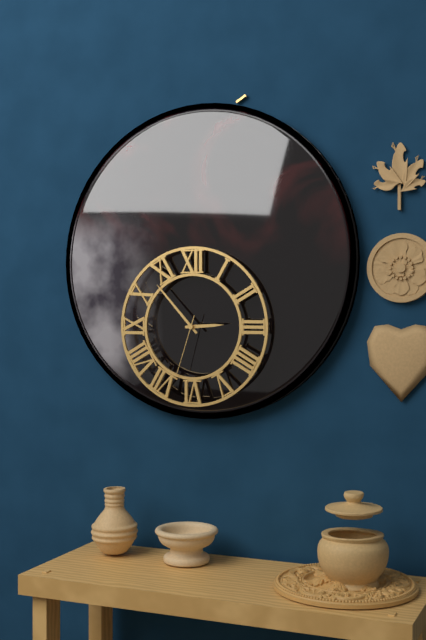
2:53:33
